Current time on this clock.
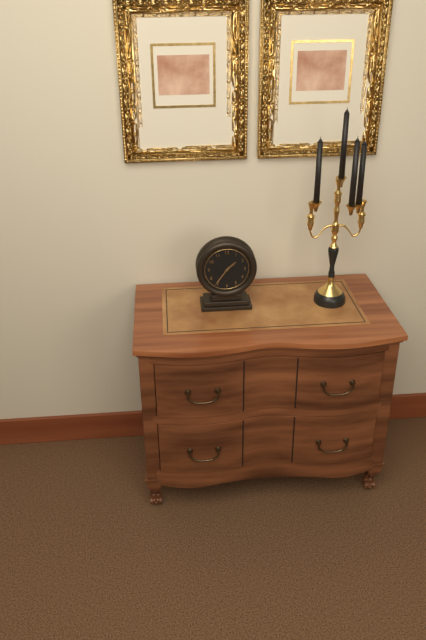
1:36
